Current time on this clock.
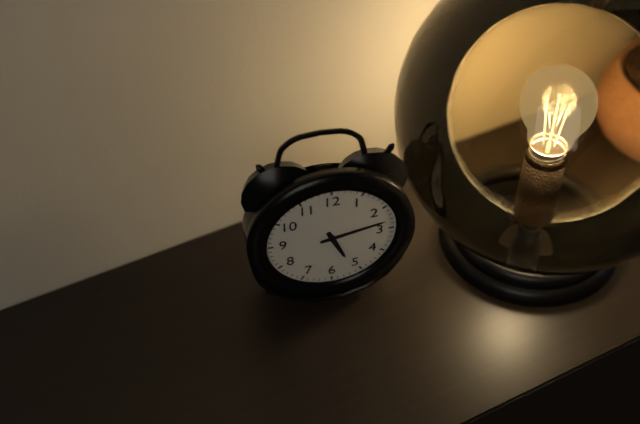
5:13
